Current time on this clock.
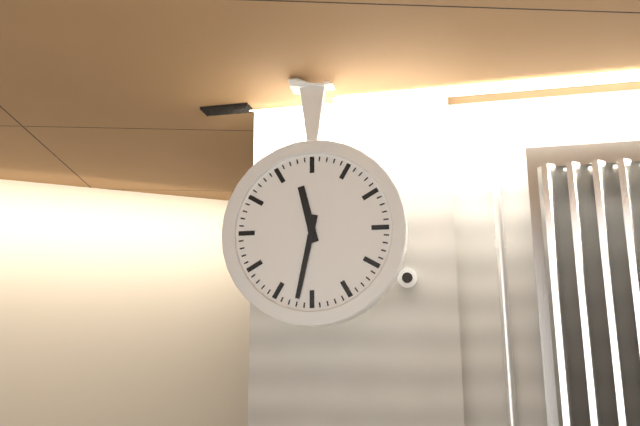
11:32
